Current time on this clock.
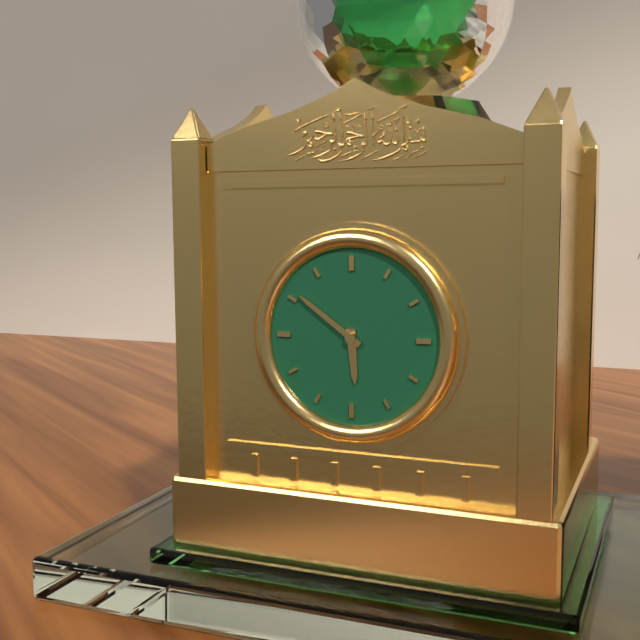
5:51
